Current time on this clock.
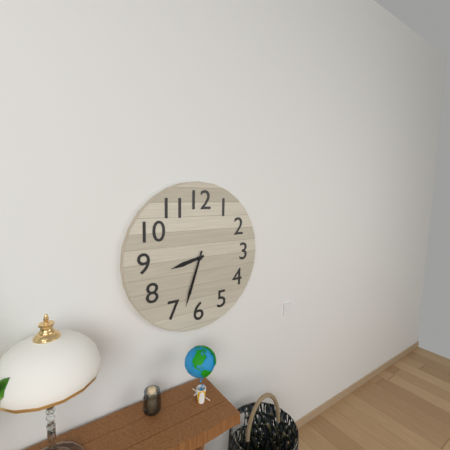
8:33
